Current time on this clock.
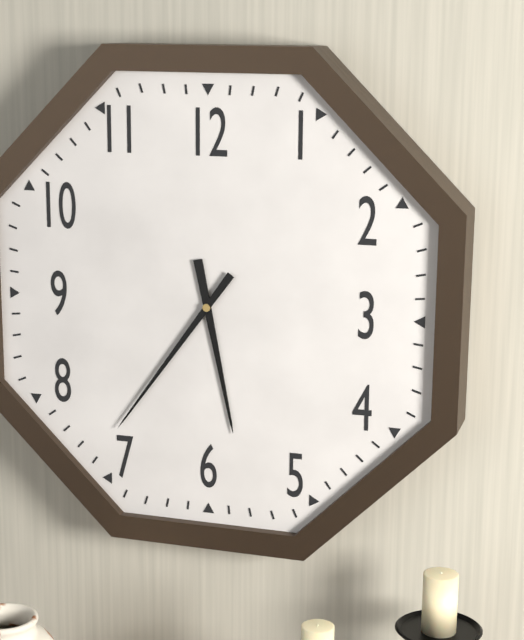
5:36
